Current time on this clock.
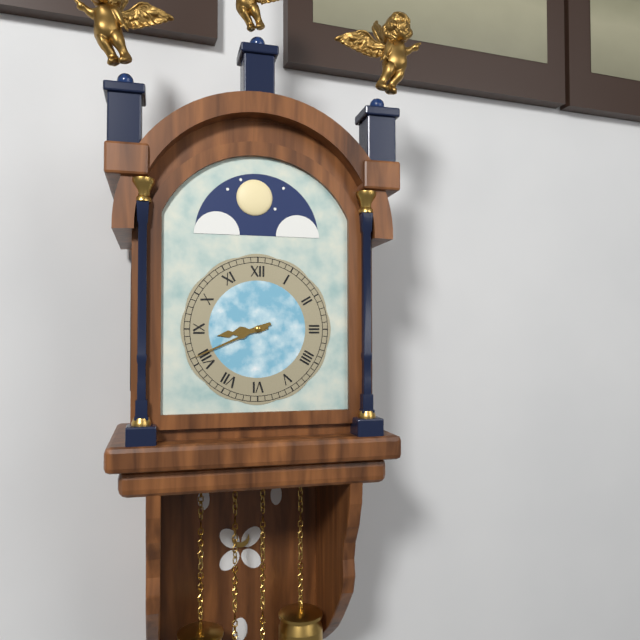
8:41
